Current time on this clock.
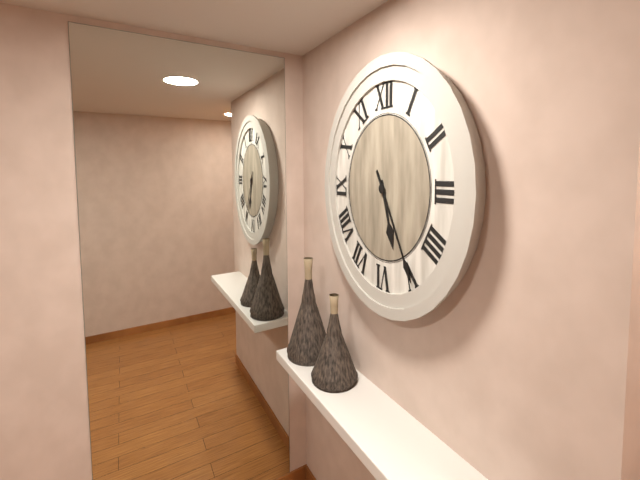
5:25
